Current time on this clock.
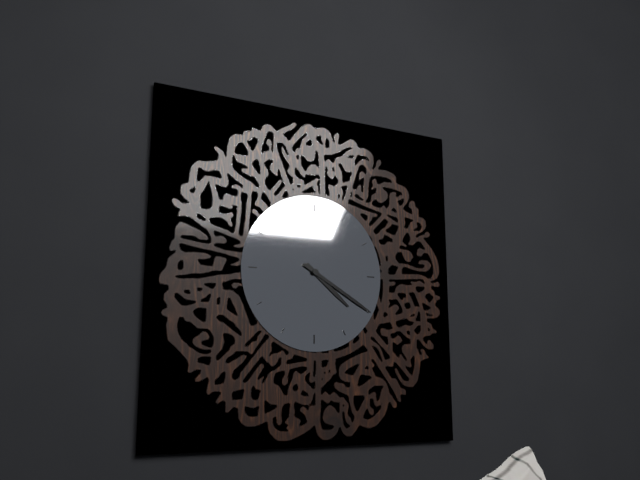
4:20
